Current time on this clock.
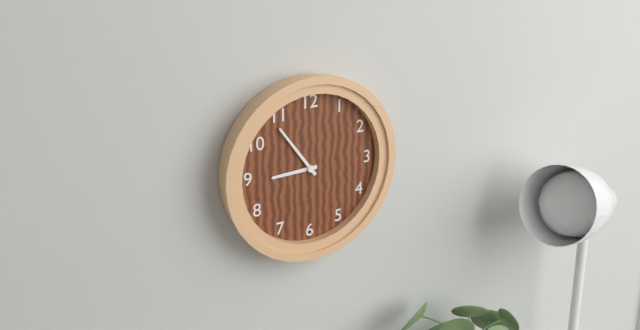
8:54
